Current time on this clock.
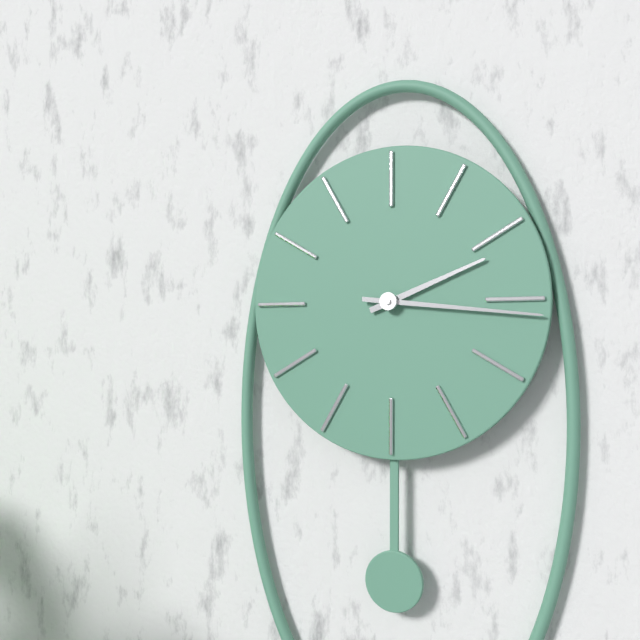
2:16
